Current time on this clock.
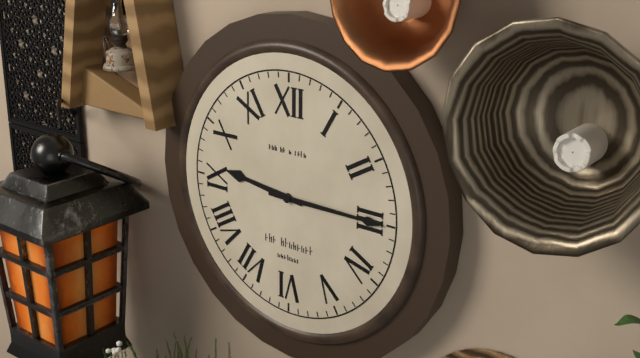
9:15
